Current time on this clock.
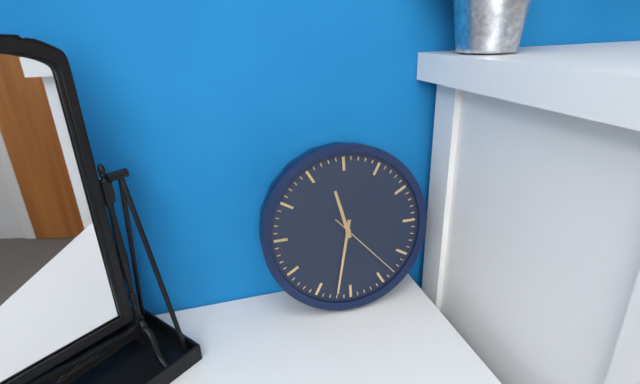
11:32:23
